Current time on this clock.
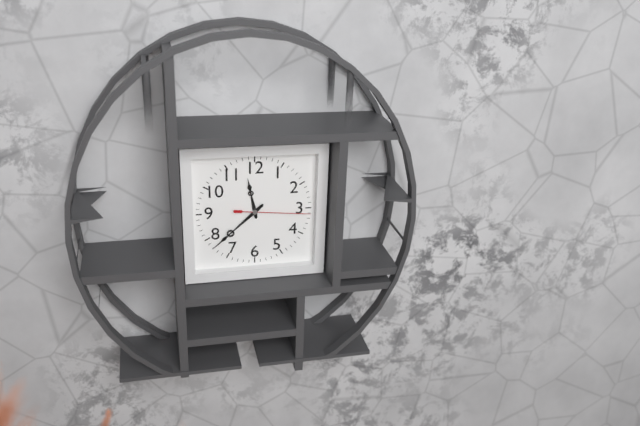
11:38:16
